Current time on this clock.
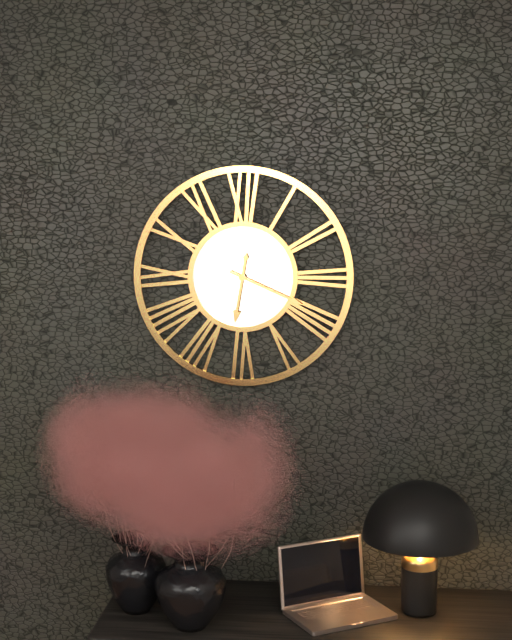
6:19
